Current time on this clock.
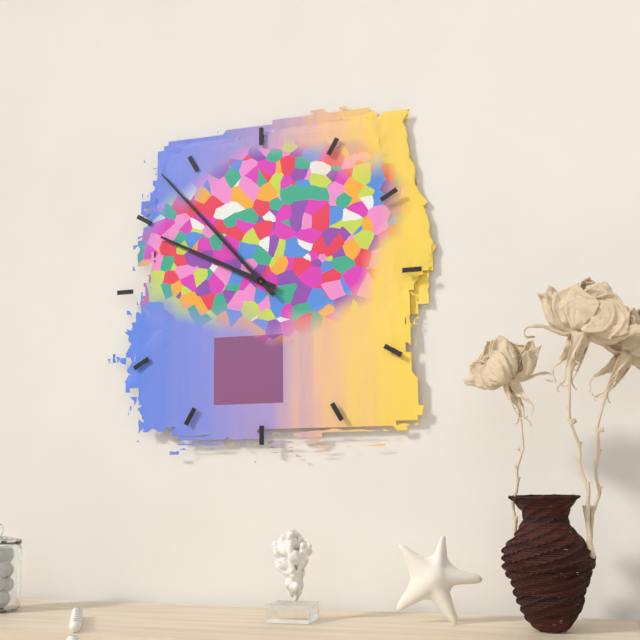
9:53
